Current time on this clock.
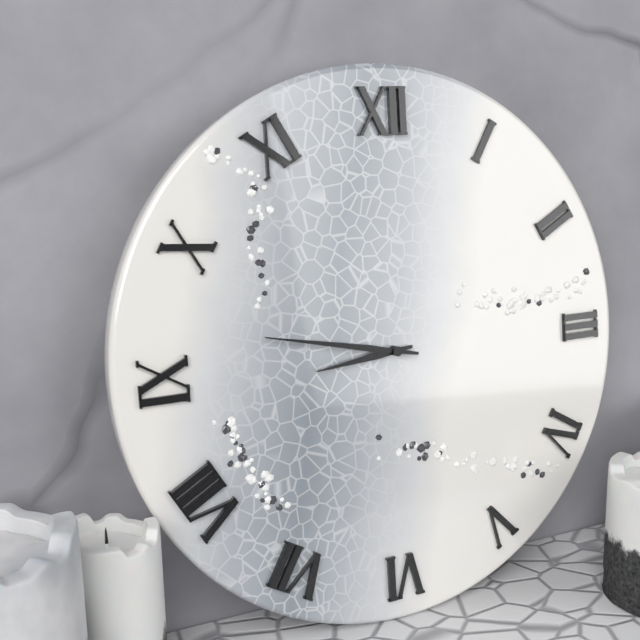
8:47
